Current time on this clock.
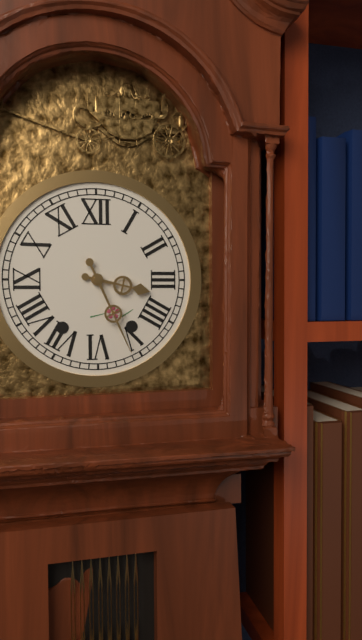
3:26
